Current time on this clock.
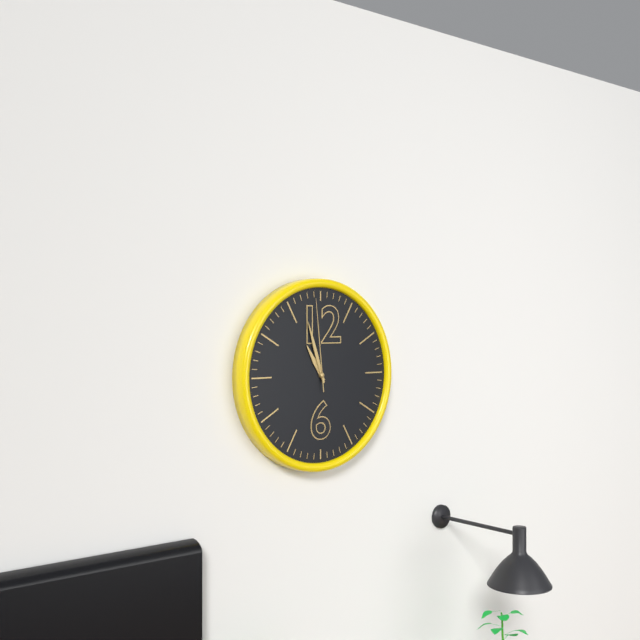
10:57:59
